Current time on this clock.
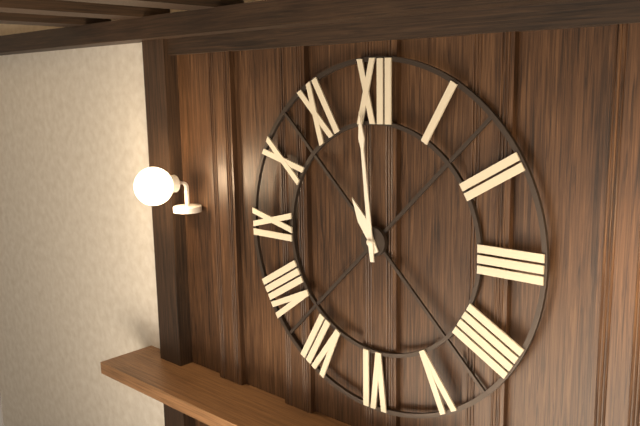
10:59
